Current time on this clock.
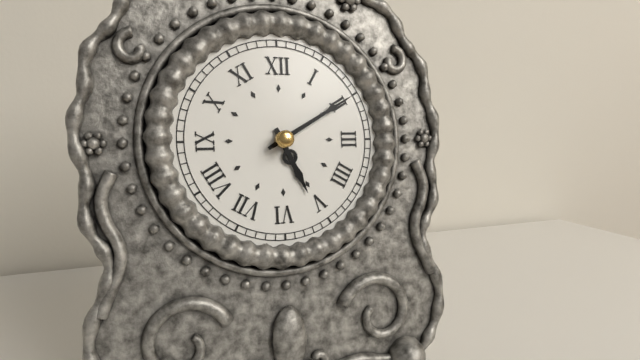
5:10
